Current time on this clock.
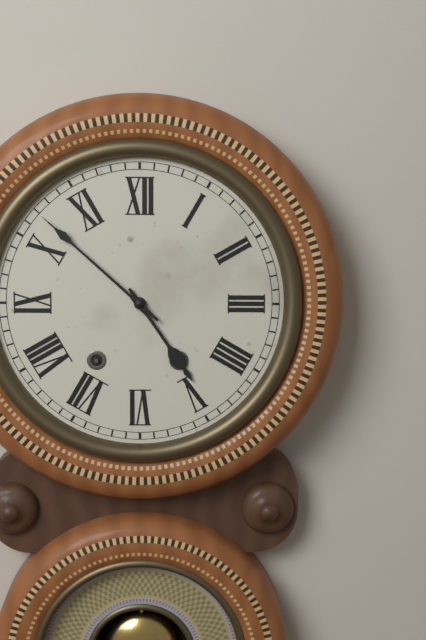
4:52
